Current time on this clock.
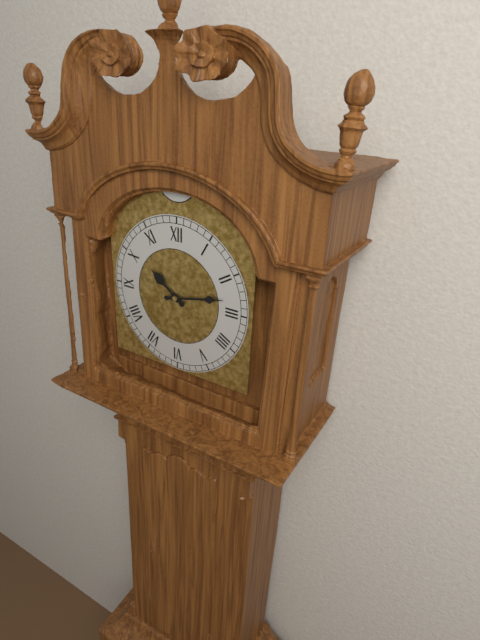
10:13
